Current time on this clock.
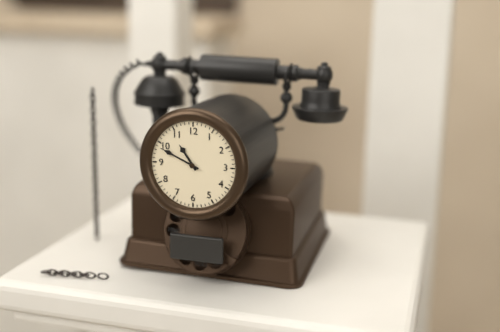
10:49
